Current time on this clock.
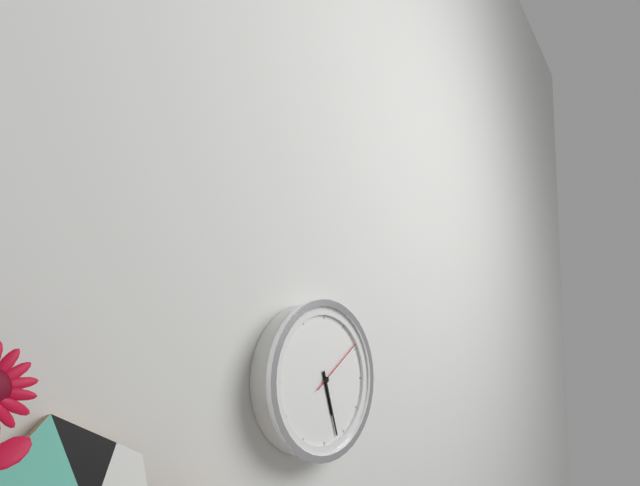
5:27:09
